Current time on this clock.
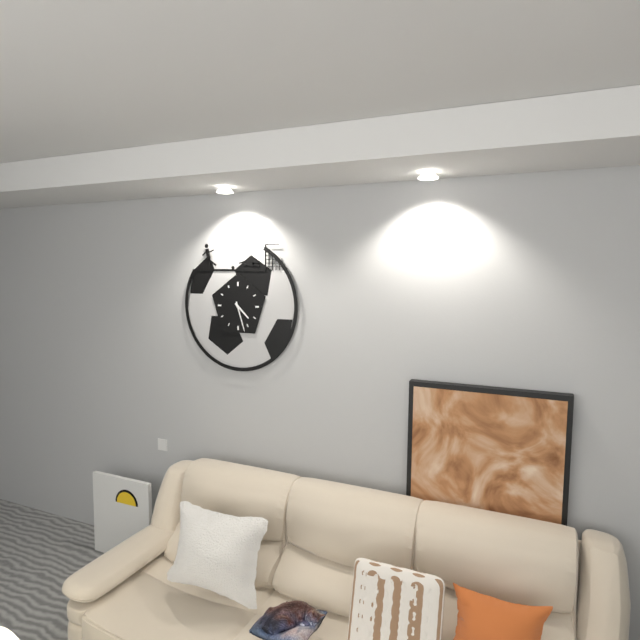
4:27
